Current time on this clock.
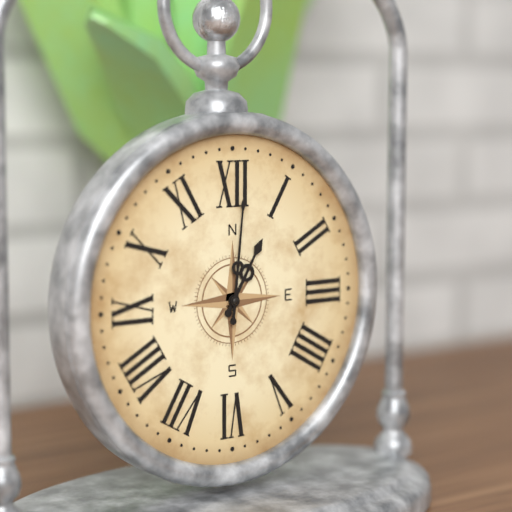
1:01
